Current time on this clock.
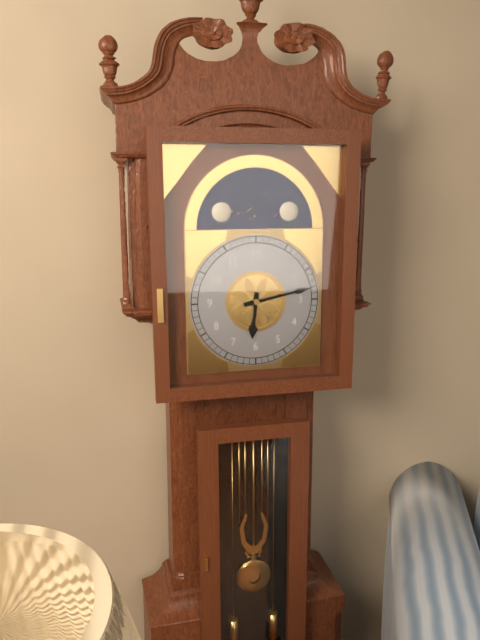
6:13
